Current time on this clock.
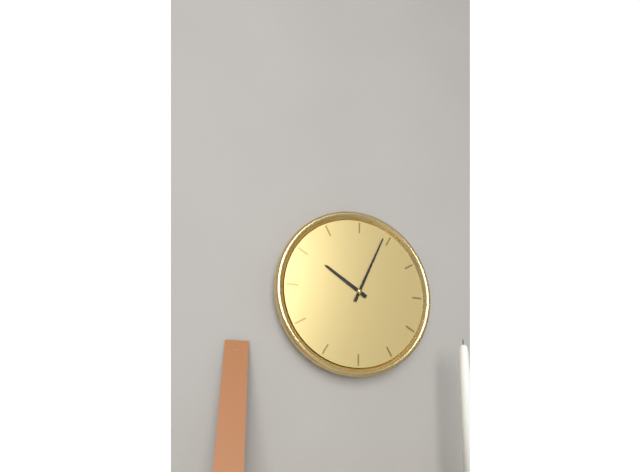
10:04
